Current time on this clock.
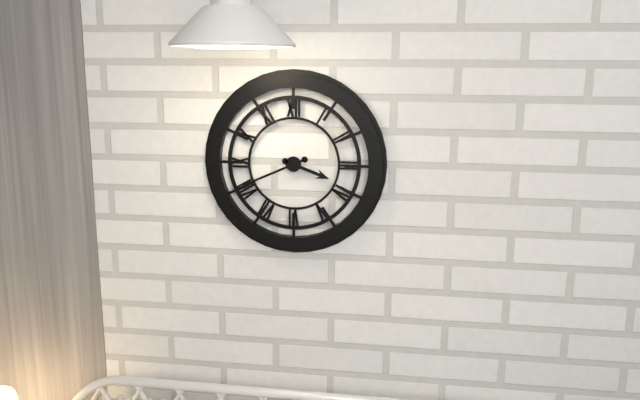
3:41
